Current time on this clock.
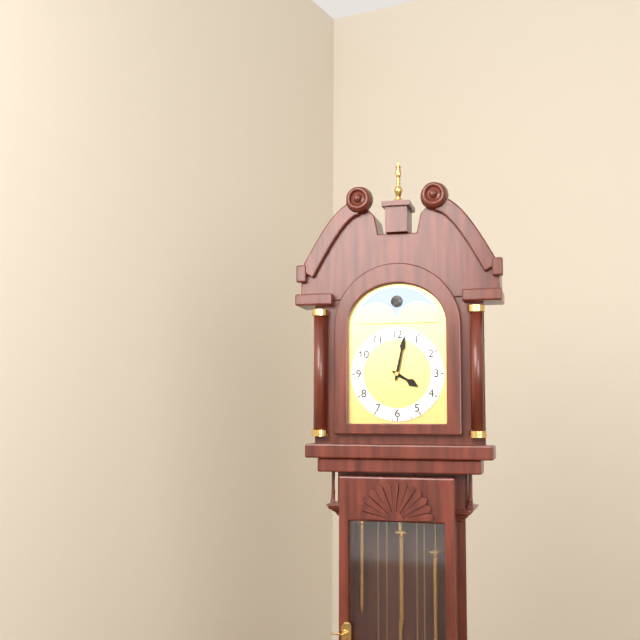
4:02
